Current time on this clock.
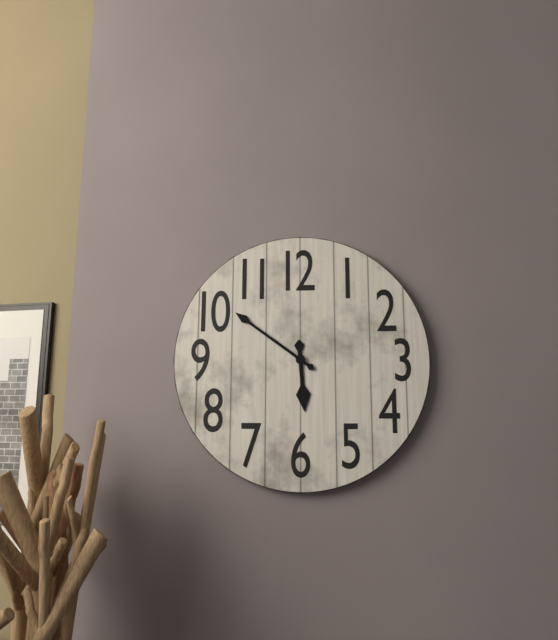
5:51
